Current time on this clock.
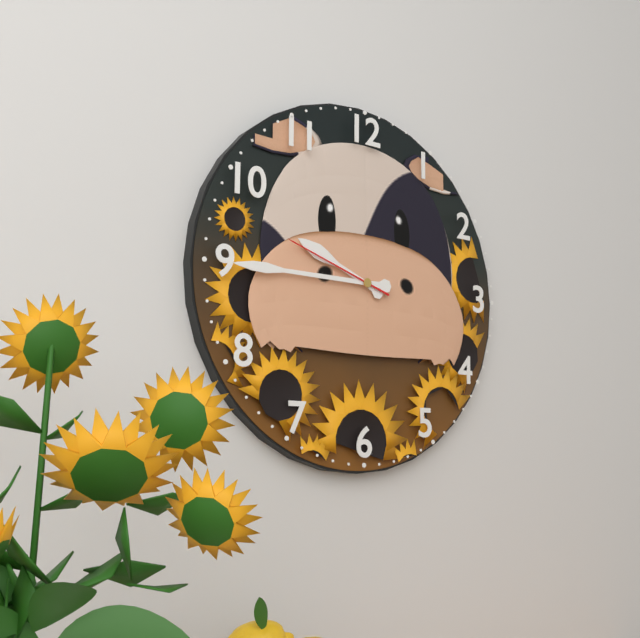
9:45:48
